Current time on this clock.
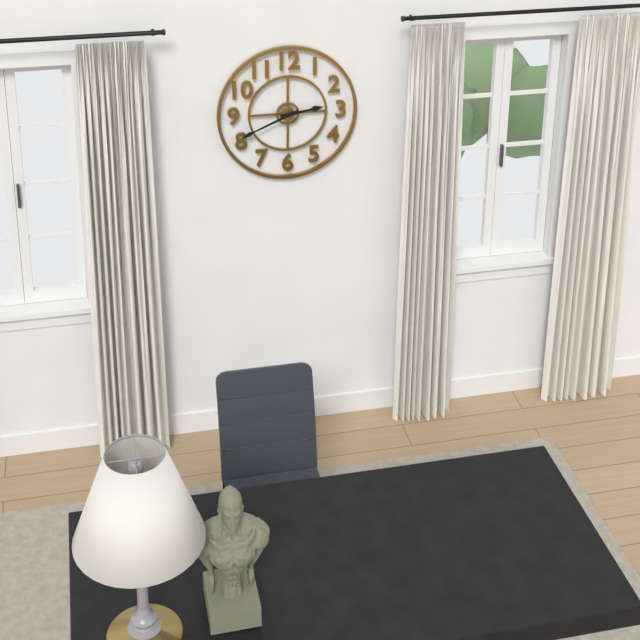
2:41
